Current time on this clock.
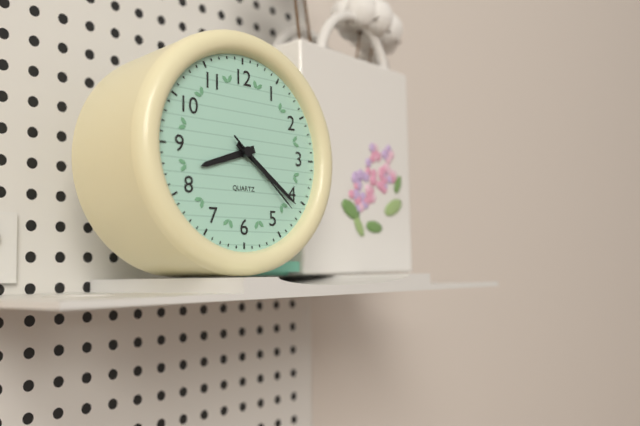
8:21:22
